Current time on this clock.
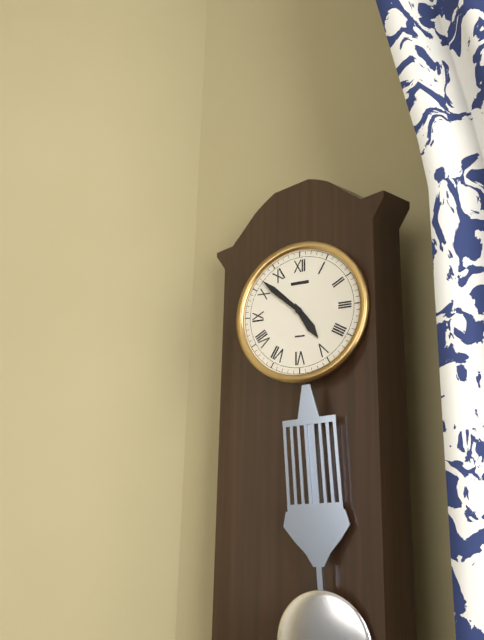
4:52
